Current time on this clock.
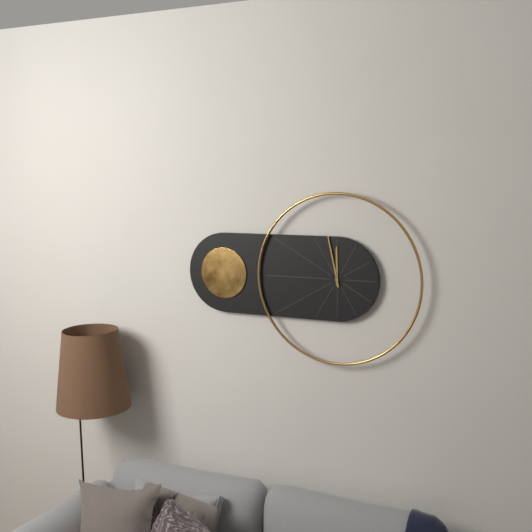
11:58
